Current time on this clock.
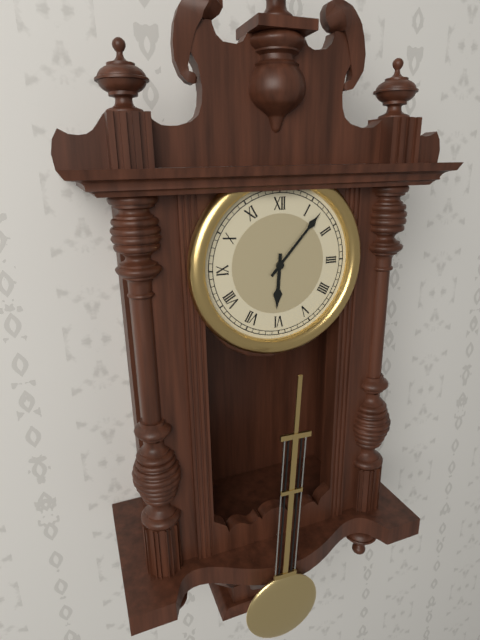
6:07
